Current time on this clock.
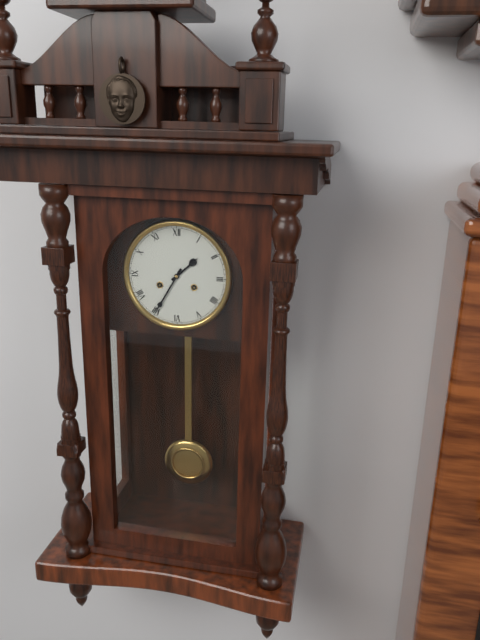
1:35
